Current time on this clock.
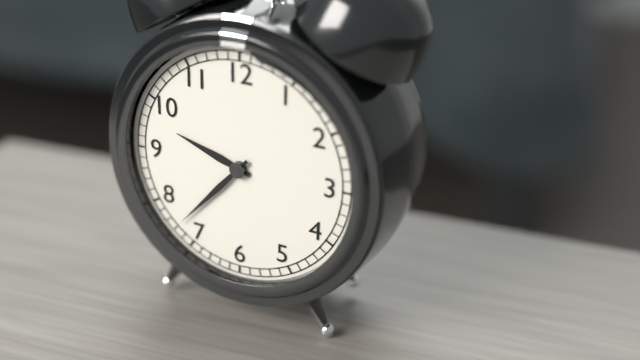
9:37
